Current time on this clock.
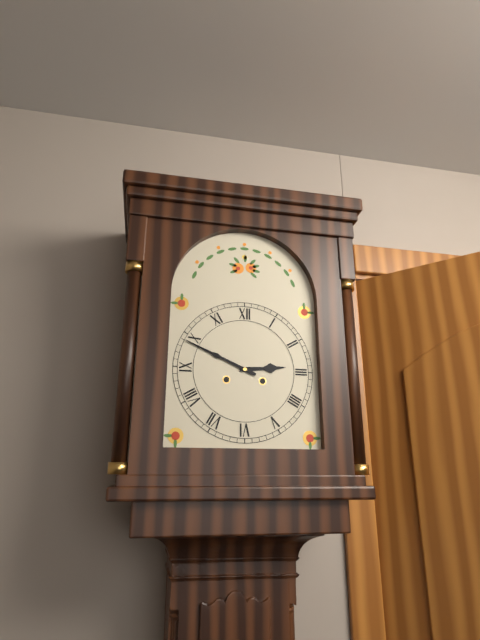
2:49
